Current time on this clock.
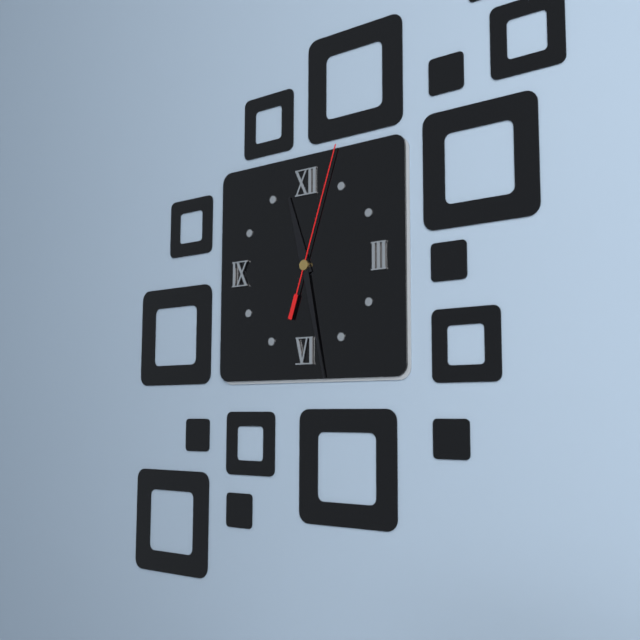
11:28:03
